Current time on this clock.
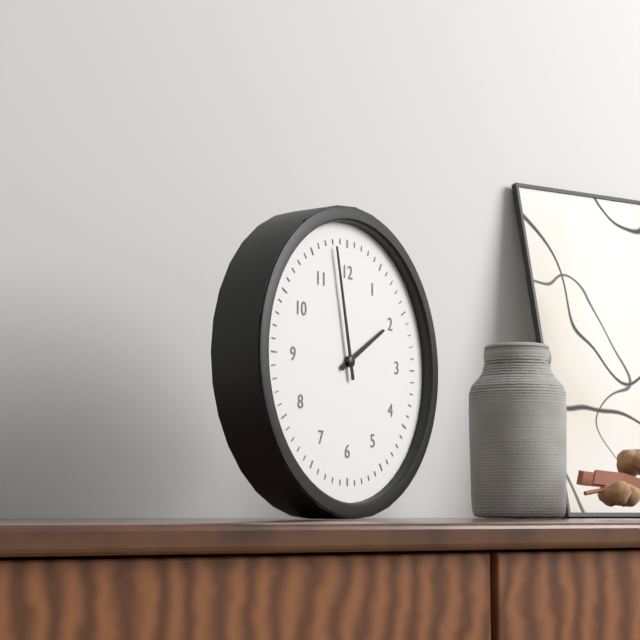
1:58
